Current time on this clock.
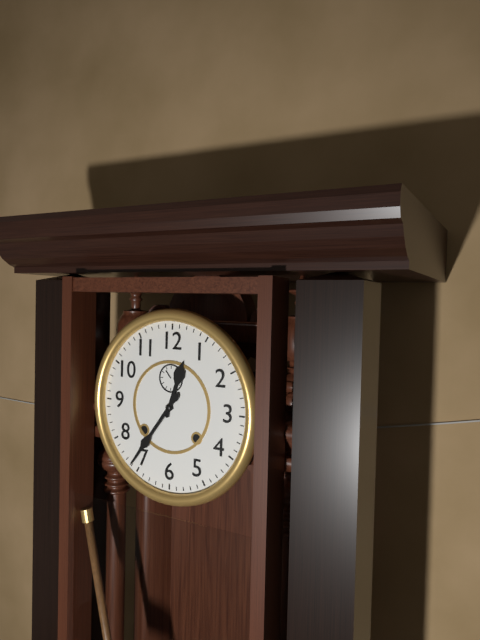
12:36
